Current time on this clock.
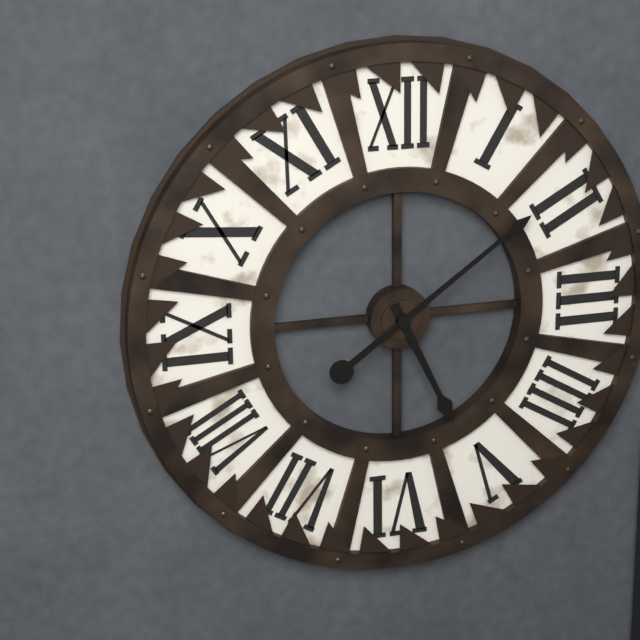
5:09
